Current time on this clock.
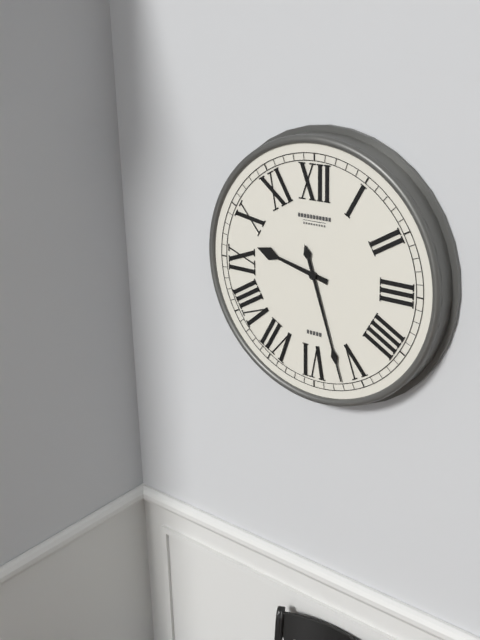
9:27
